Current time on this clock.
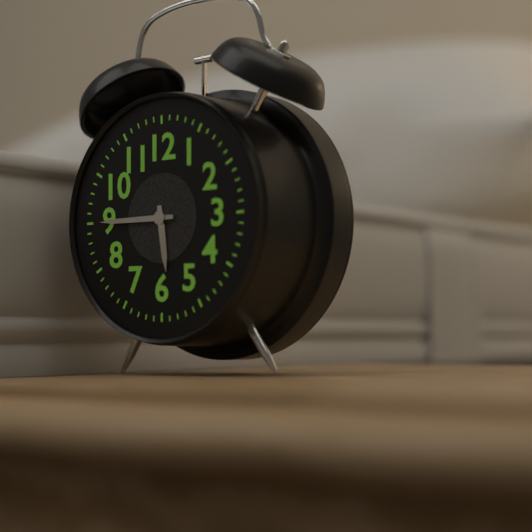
5:45
